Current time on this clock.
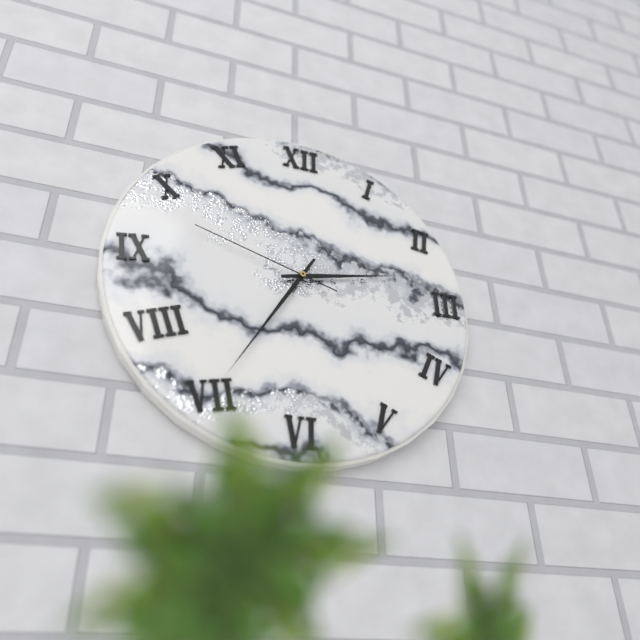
2:35:48
